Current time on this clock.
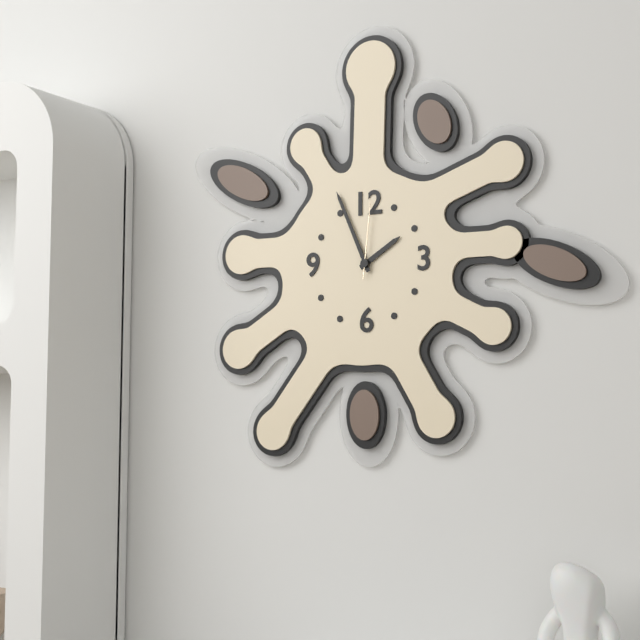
1:56:01
